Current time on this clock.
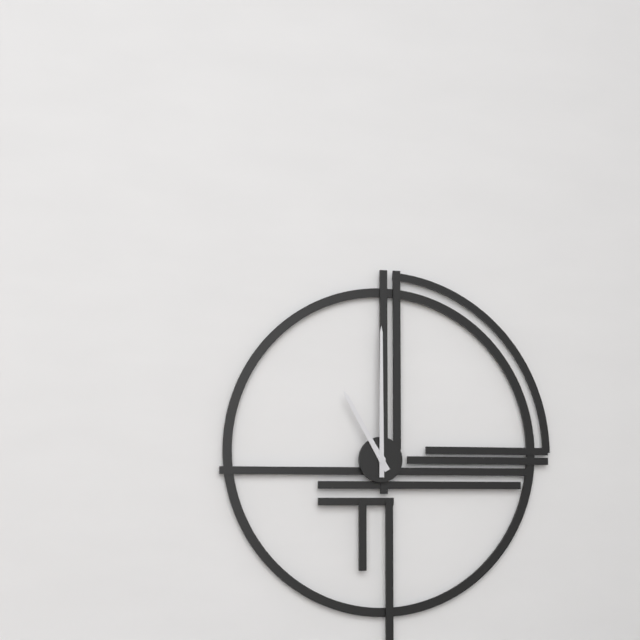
11:00
